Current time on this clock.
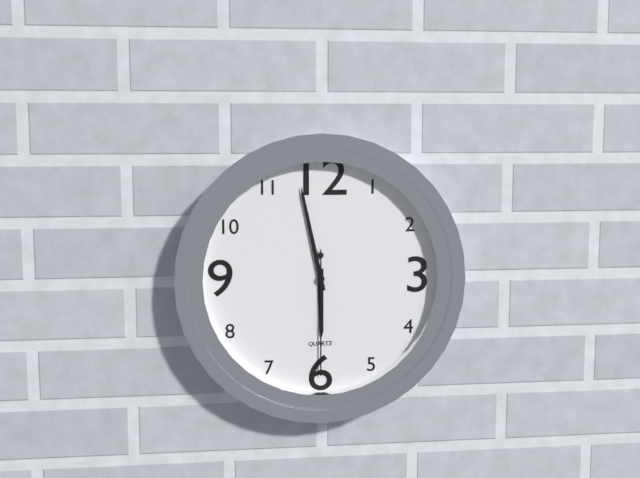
5:58:30
